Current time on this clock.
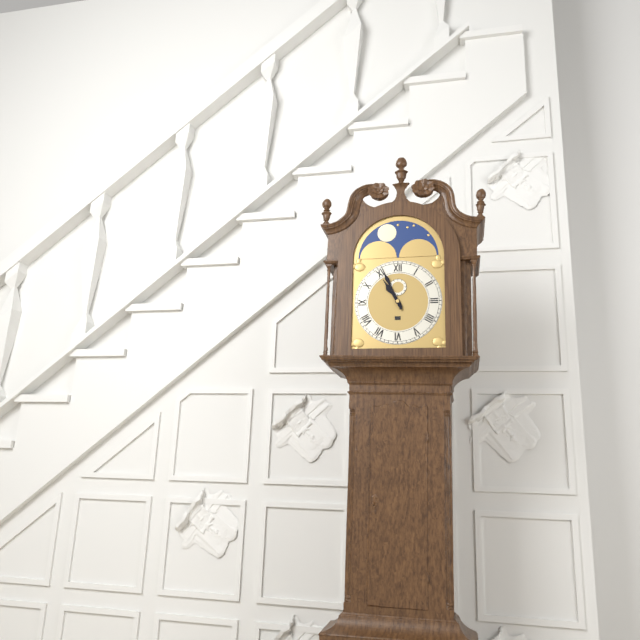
10:56
